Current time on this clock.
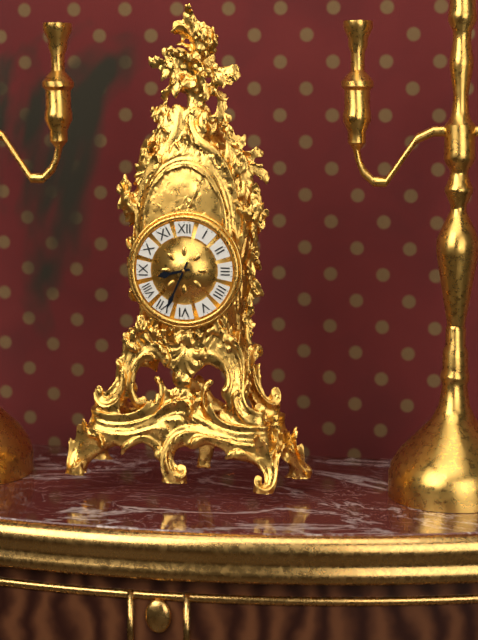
8:34
